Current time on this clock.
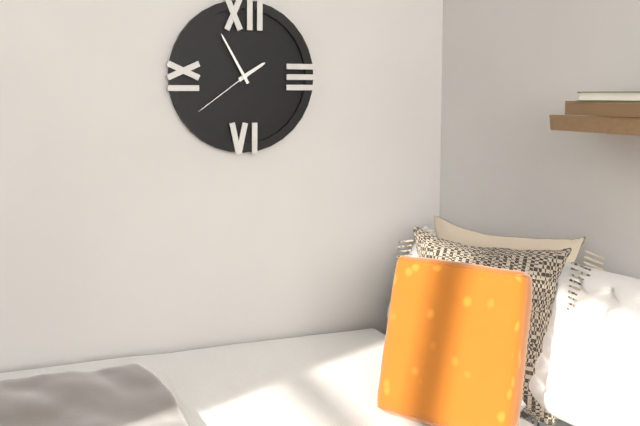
1:55:39
